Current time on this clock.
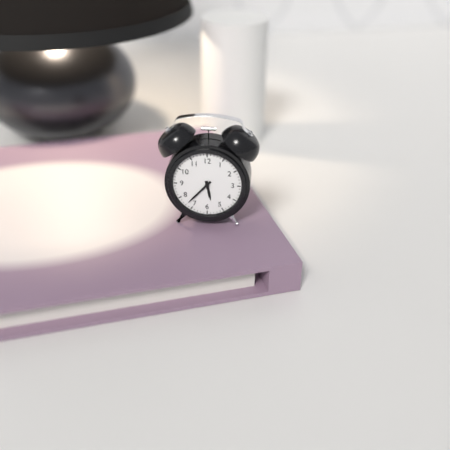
5:37
